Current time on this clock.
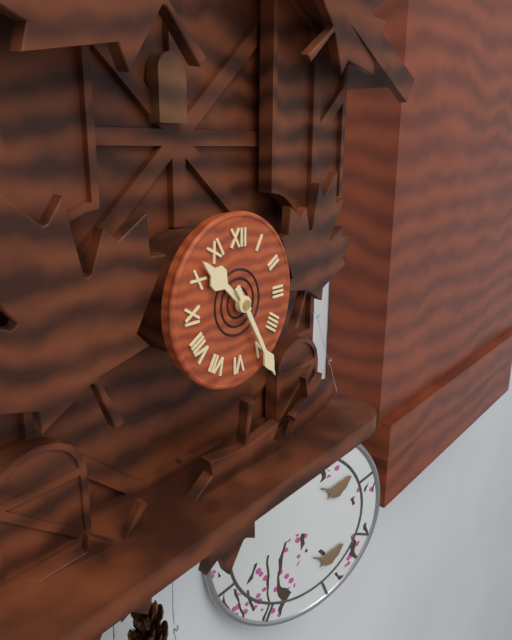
10:25
